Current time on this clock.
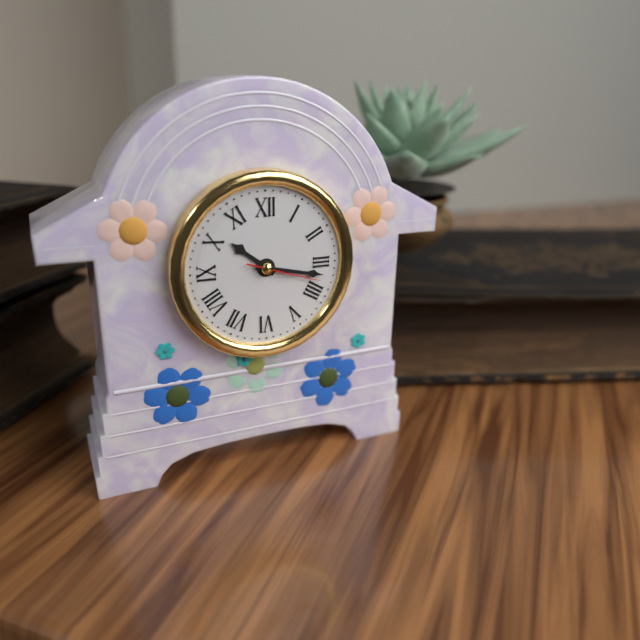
10:17:18
